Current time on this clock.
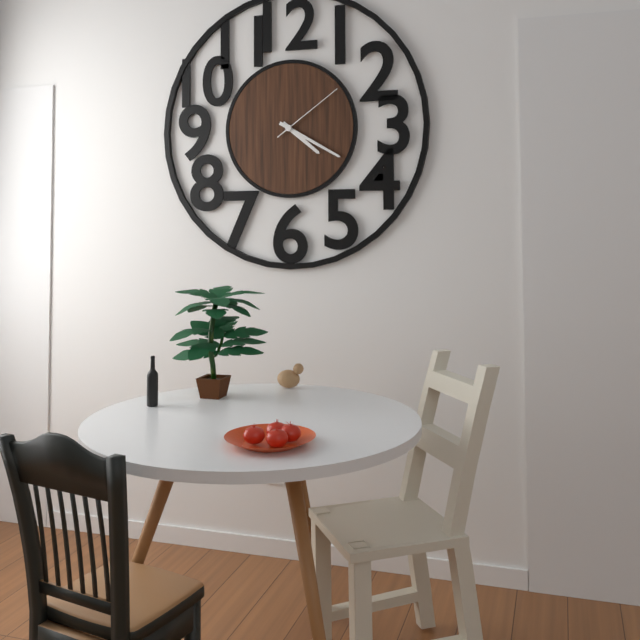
4:20:09
